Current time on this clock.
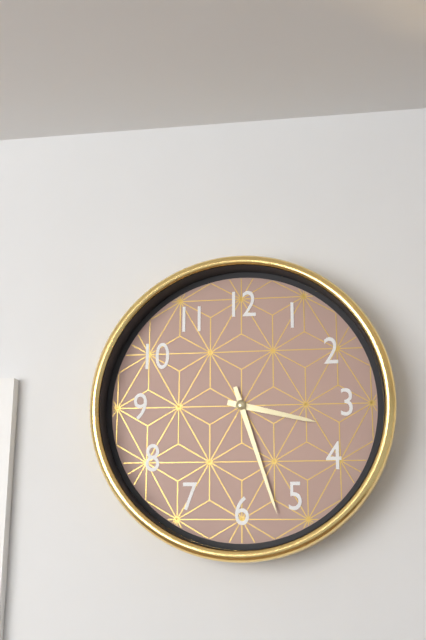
3:27
